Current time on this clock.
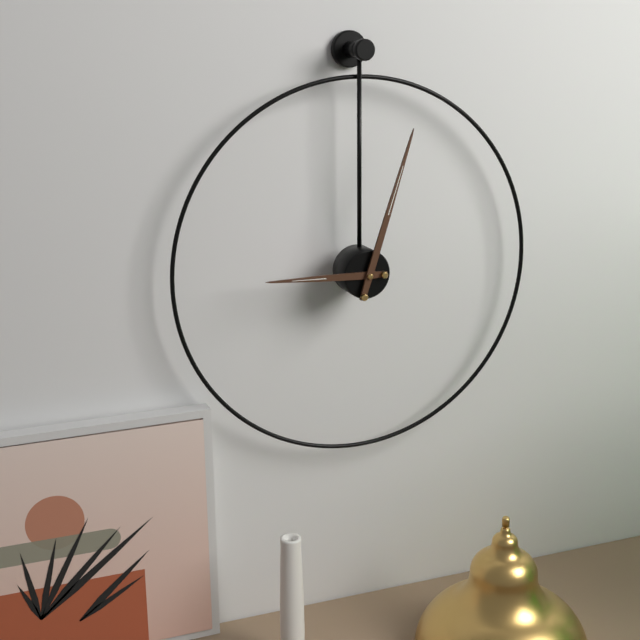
9:03
